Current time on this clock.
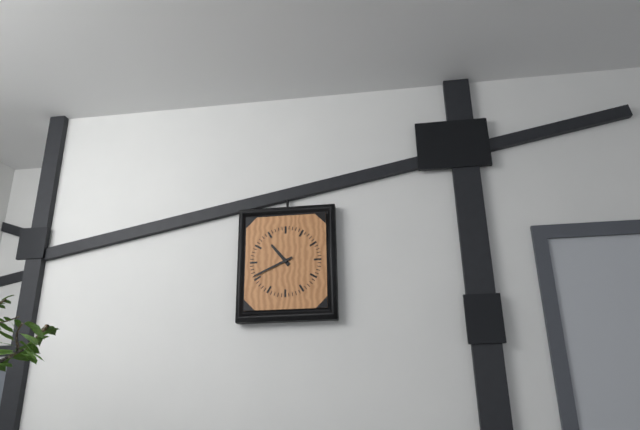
10:41
